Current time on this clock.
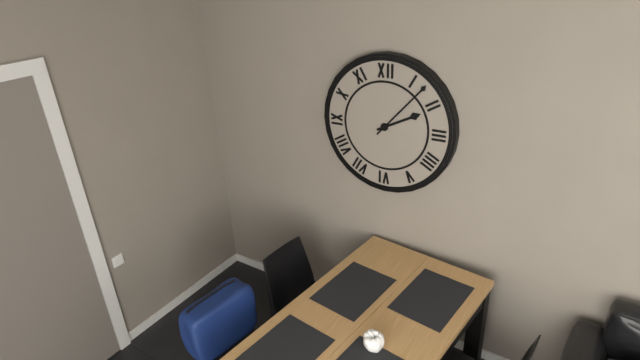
2:07
